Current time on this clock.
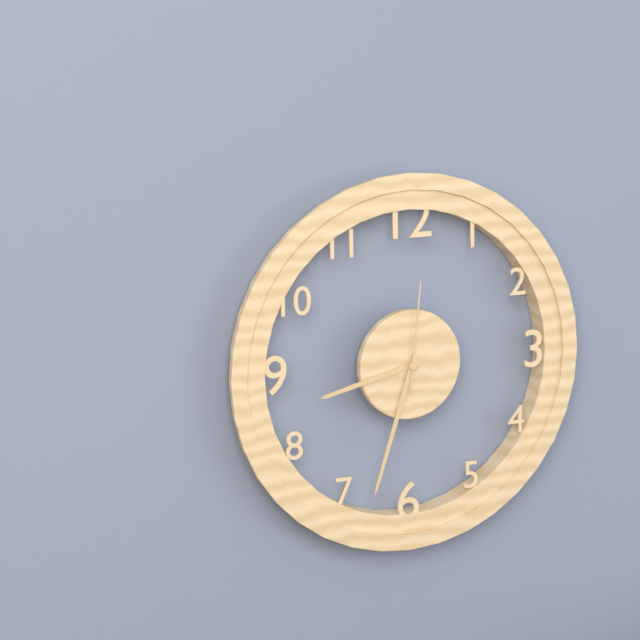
8:33:01
